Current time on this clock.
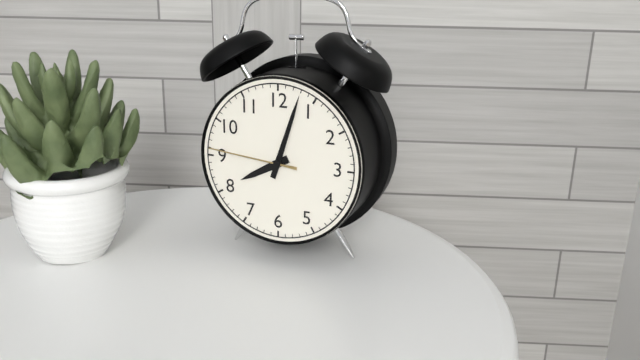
8:03:46
